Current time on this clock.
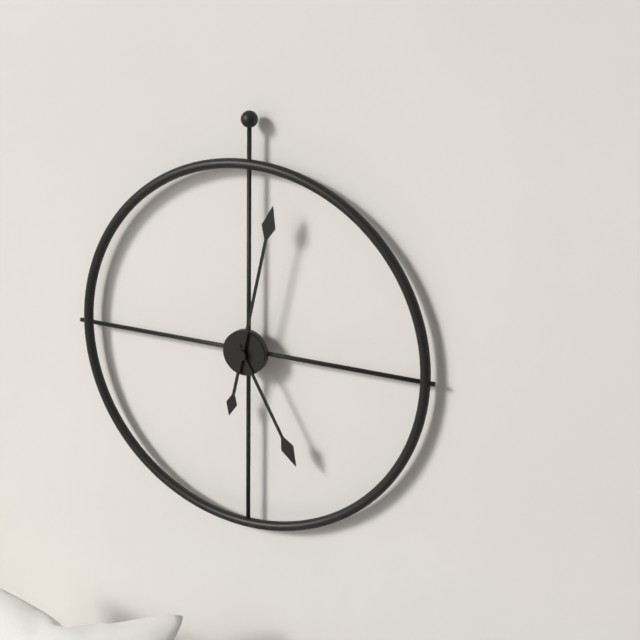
5:02
